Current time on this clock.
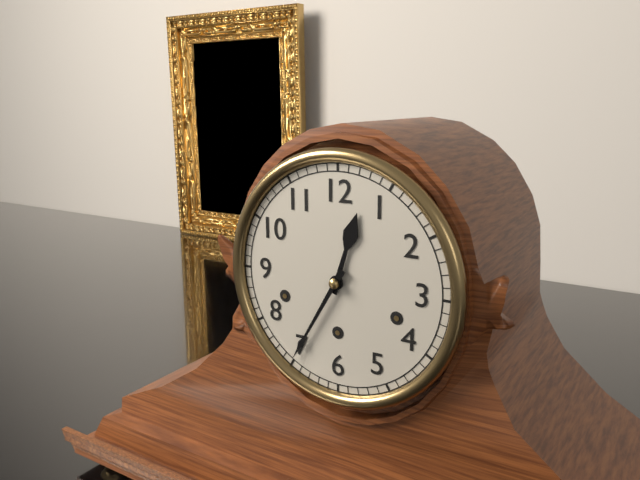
12:35
